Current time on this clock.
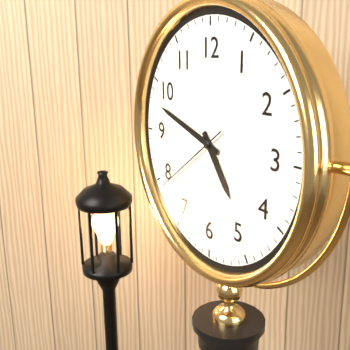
4:48:39
